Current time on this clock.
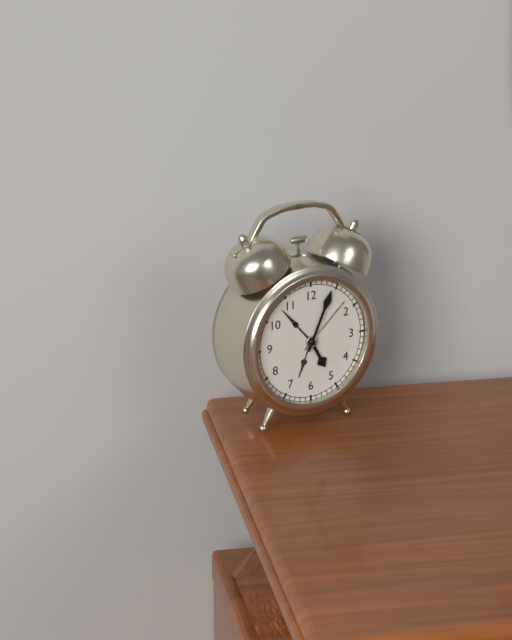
5:04
